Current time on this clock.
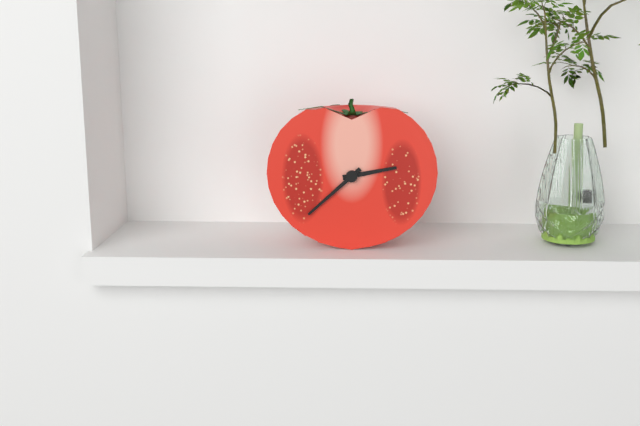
2:38
